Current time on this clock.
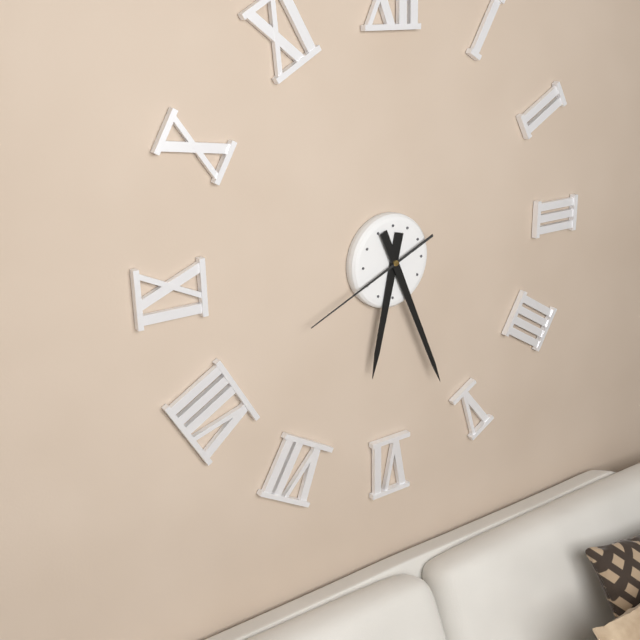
6:26:41
